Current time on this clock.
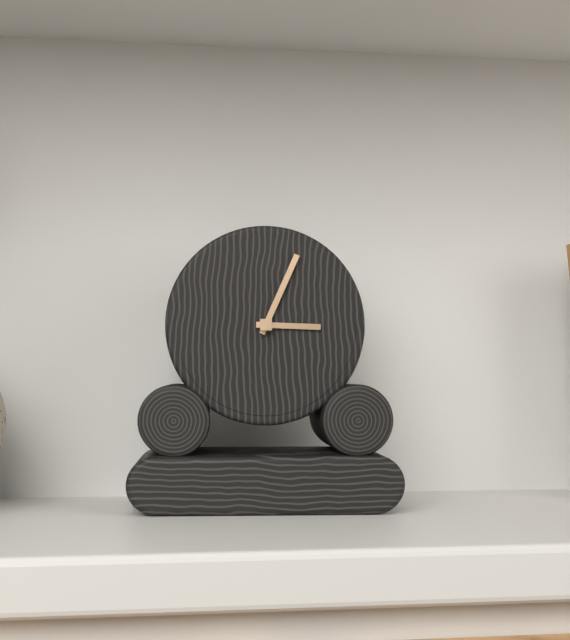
3:04
